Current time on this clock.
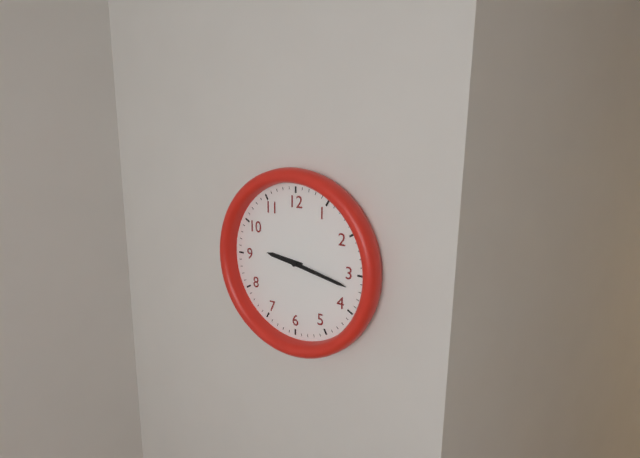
9:17
